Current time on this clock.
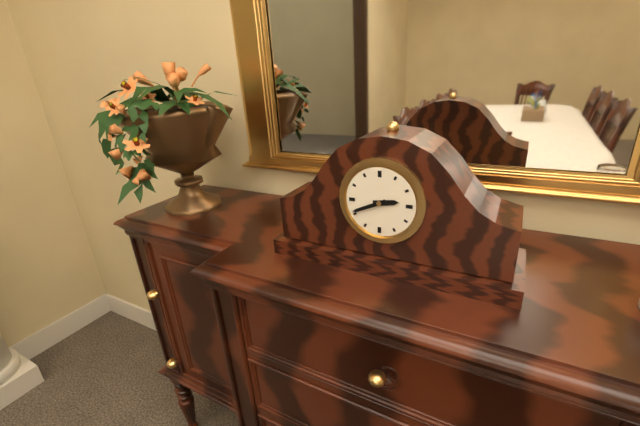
2:41
